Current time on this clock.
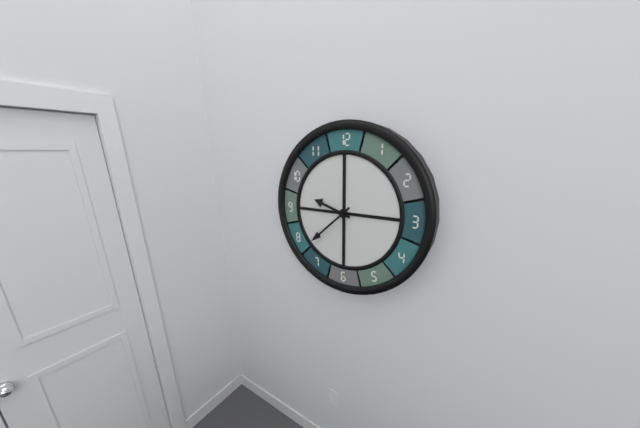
9:38
